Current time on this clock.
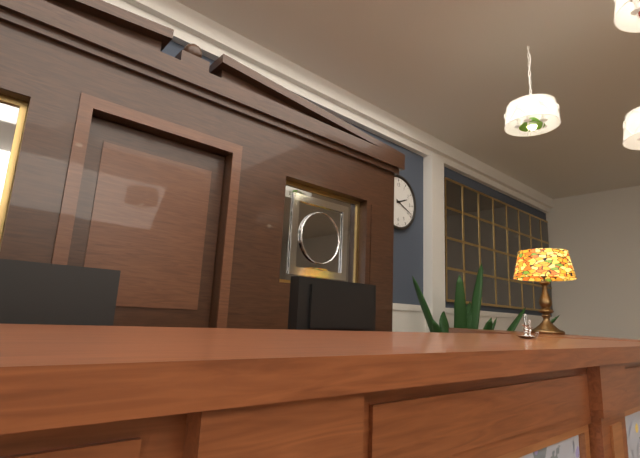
2:19
